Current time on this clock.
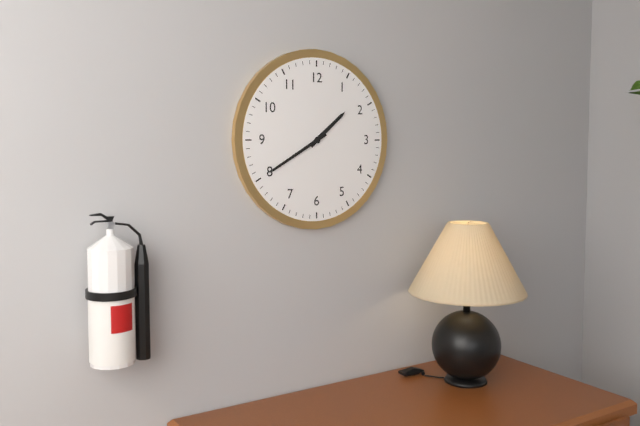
1:40
